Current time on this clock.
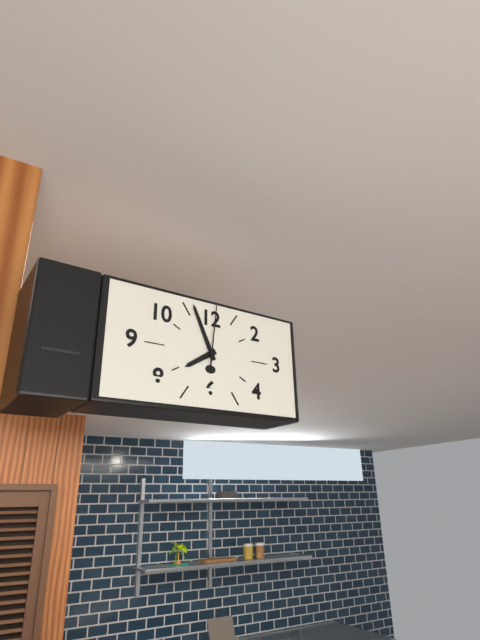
7:56:01
